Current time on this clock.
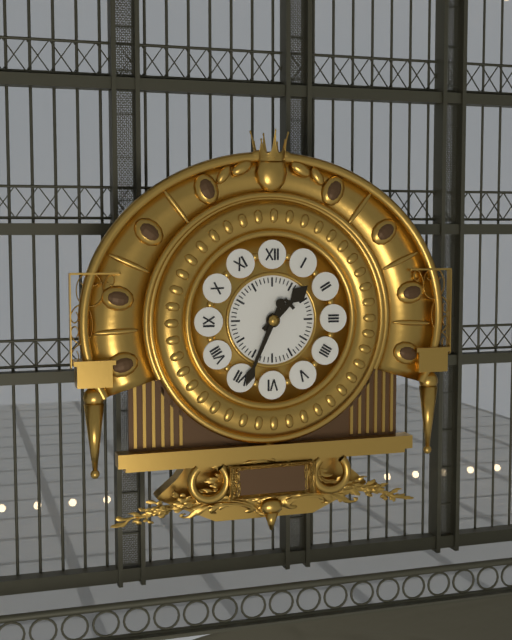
1:34
